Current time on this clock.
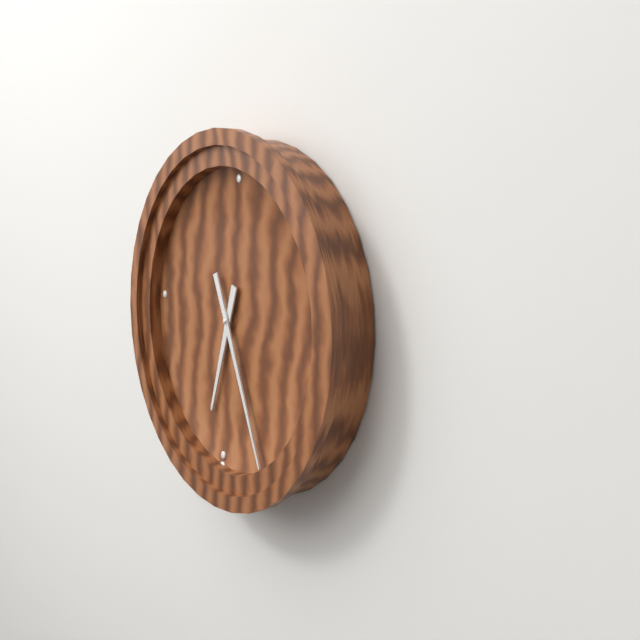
6:25
